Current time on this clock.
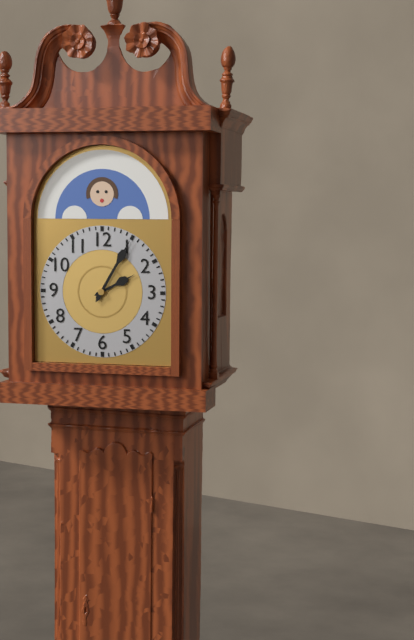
2:05
